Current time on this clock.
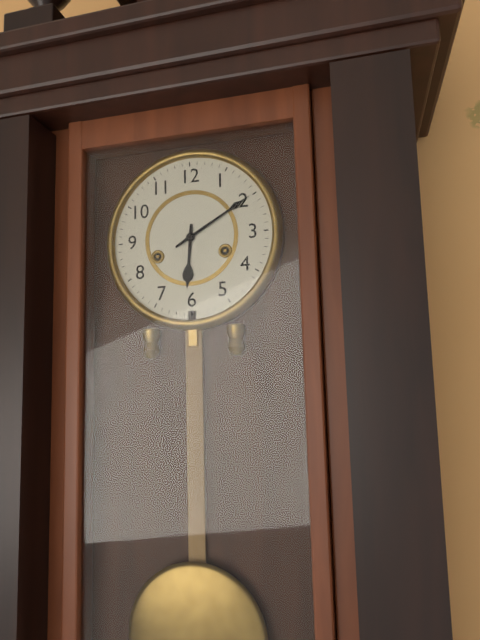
6:10
